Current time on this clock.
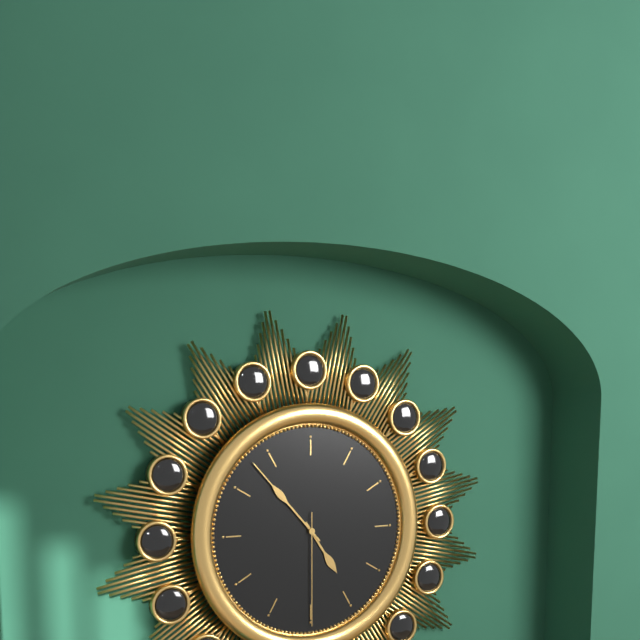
4:53:30
